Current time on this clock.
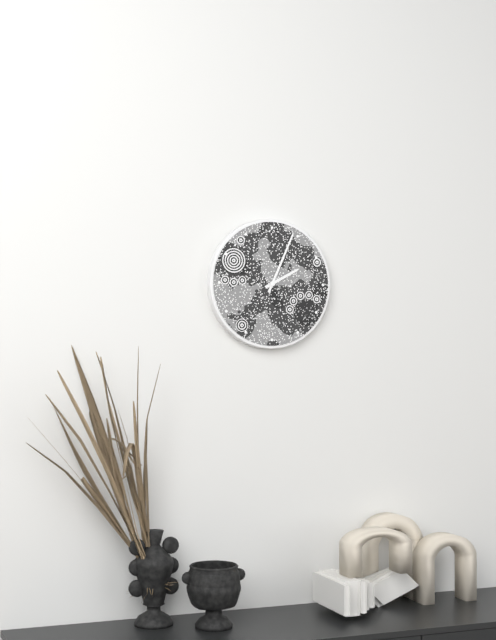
2:04
